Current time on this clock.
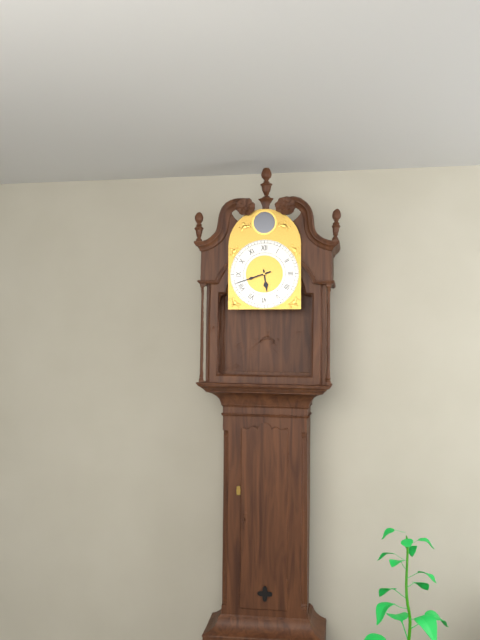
5:42
